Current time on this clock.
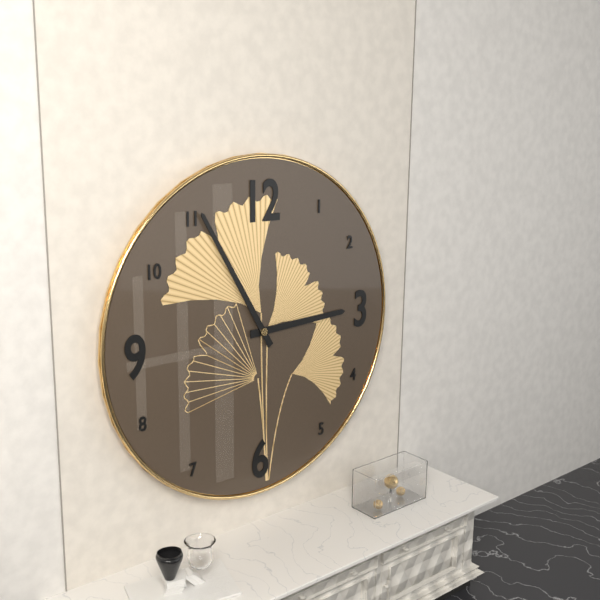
2:55
